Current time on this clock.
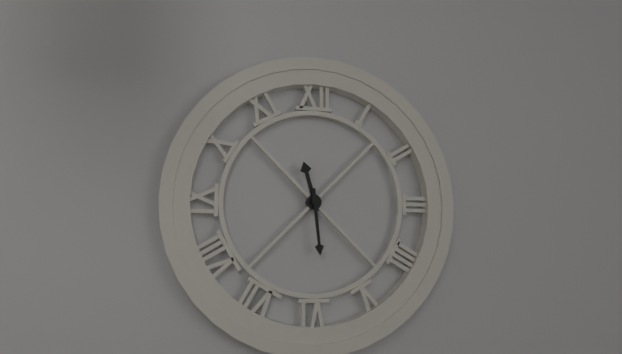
11:29
